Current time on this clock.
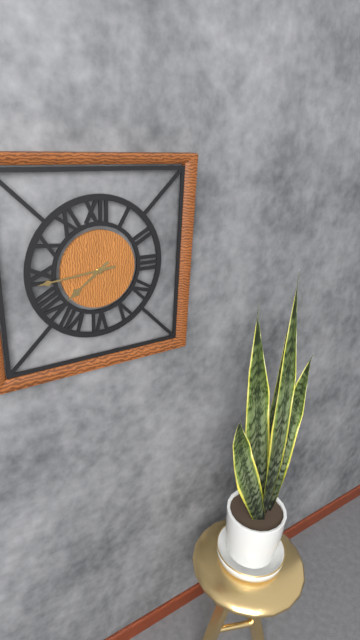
7:44
